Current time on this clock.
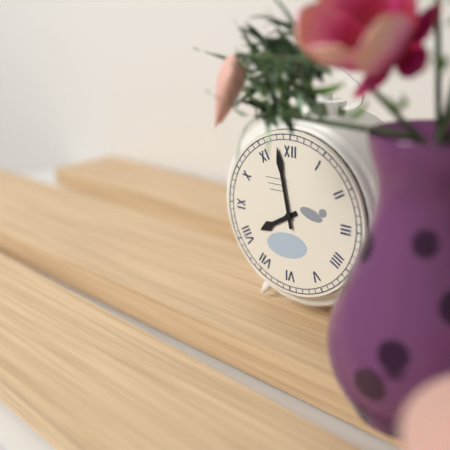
7:58
